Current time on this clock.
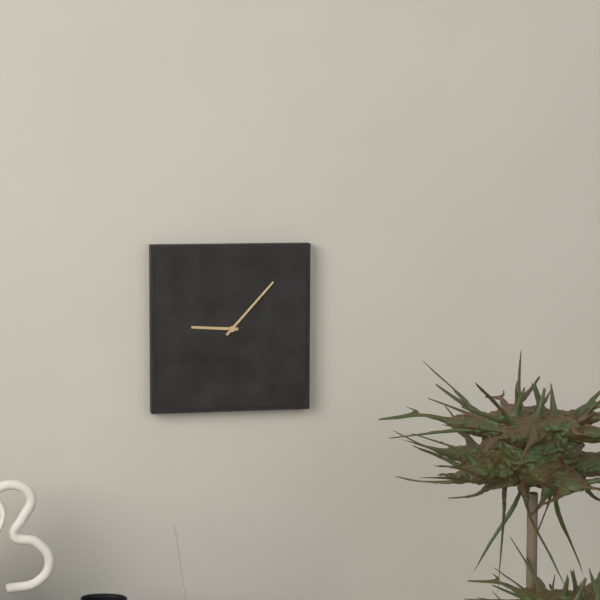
9:07
